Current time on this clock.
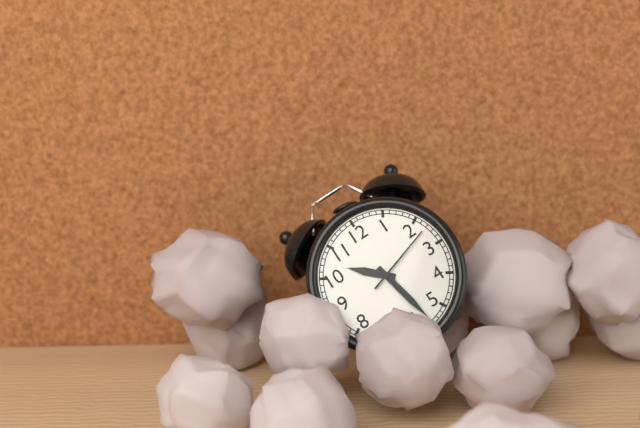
10:28:12
